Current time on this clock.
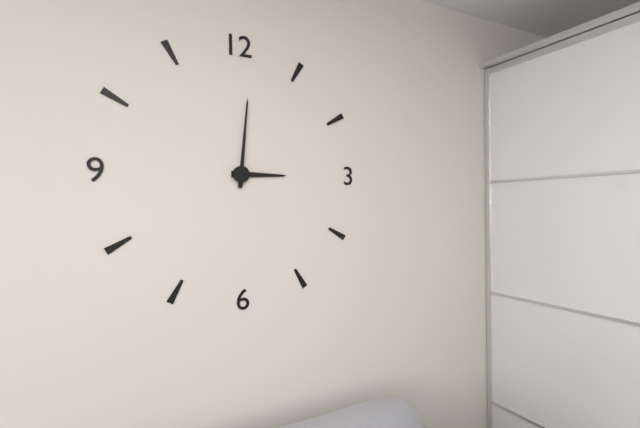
3:01
